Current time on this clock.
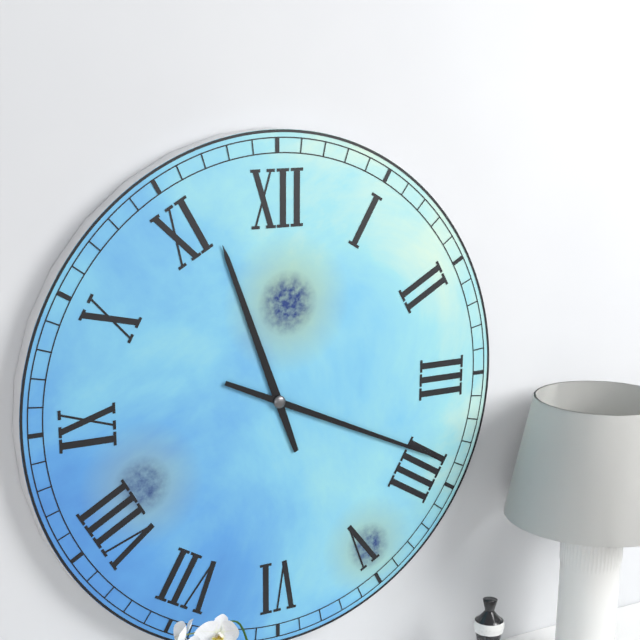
11:19
